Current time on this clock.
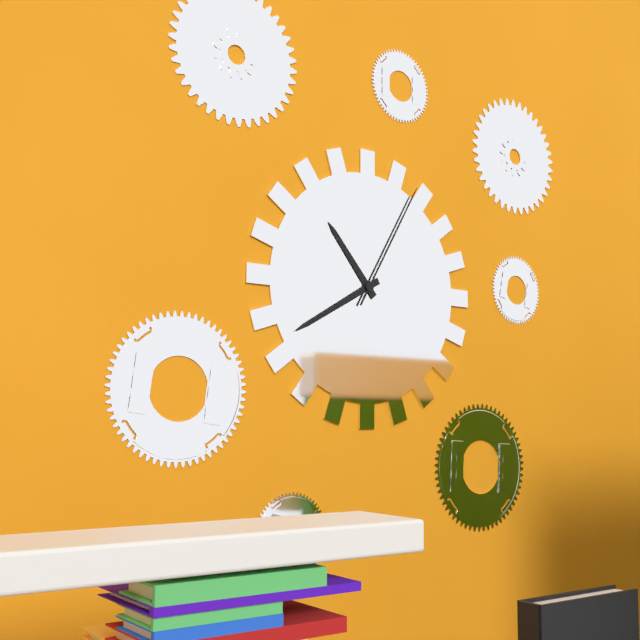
10:40:05
